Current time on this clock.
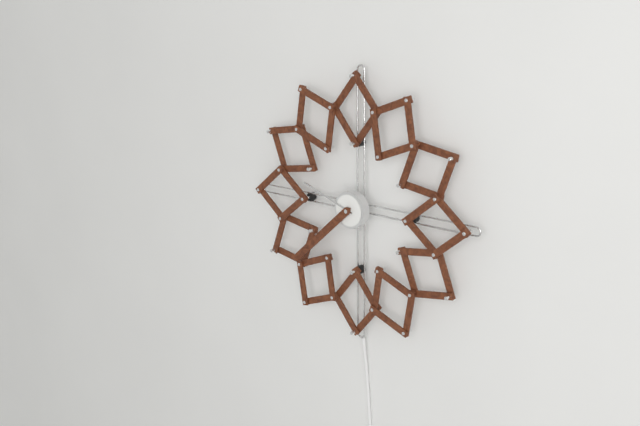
9:38
